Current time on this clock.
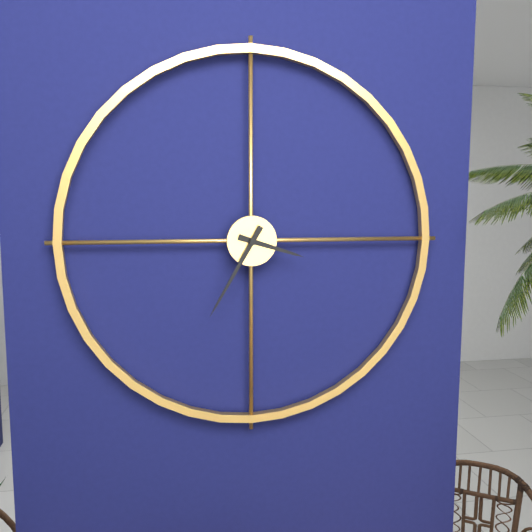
3:35
